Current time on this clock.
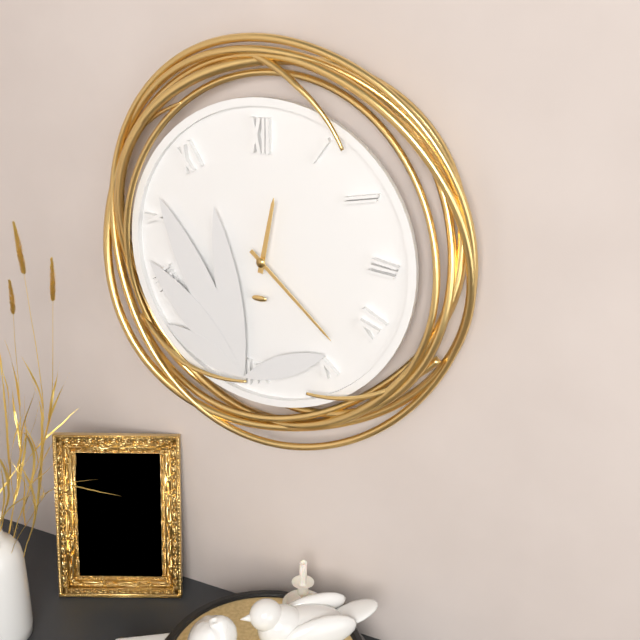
12:22
